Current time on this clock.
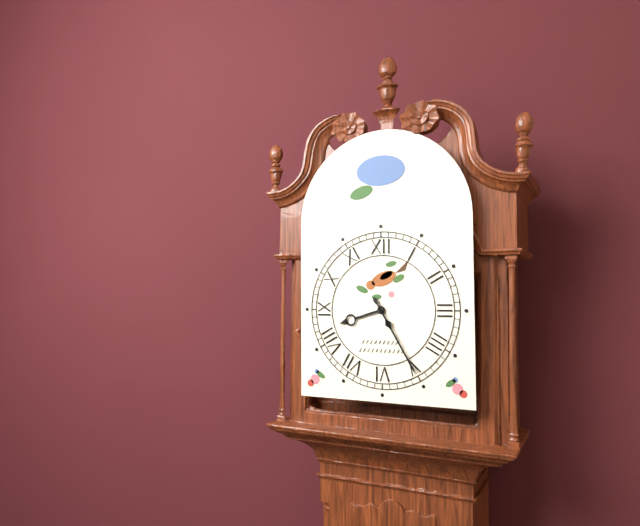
8:25
